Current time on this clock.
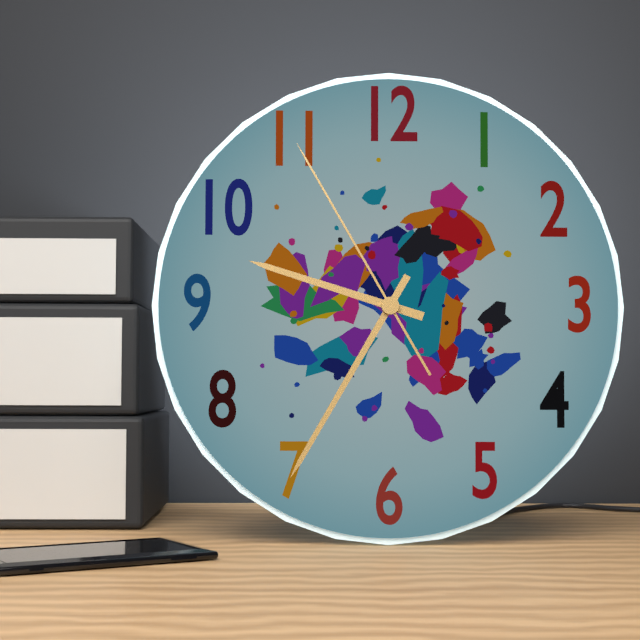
9:35:55
